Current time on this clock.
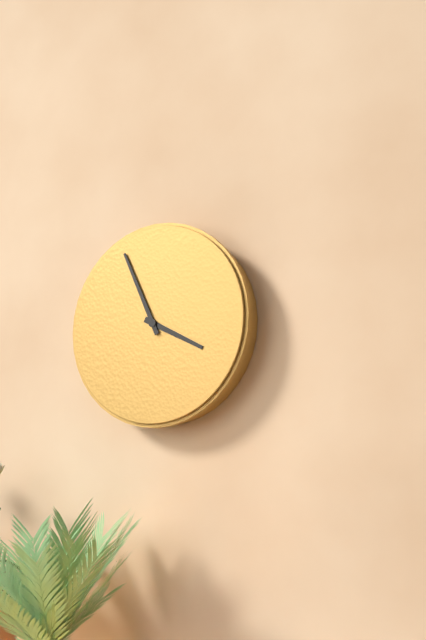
3:56
